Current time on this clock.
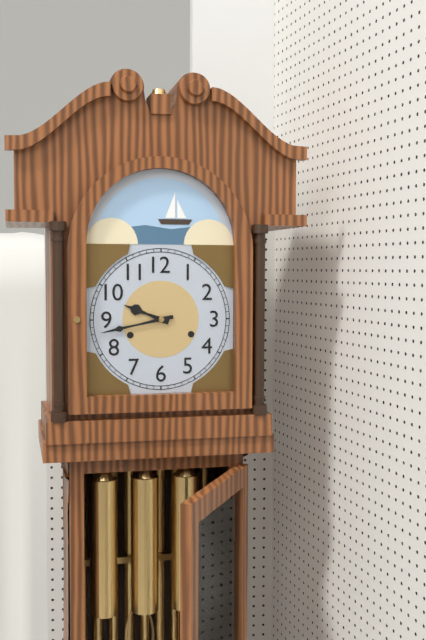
9:43
